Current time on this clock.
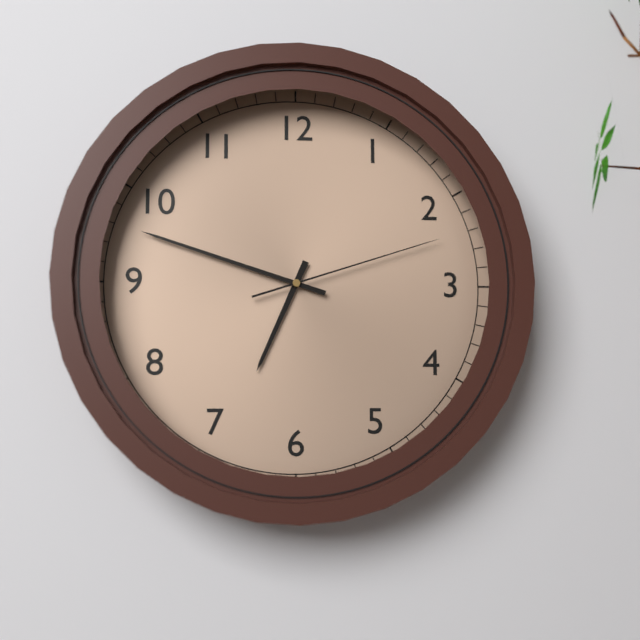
6:48:12
